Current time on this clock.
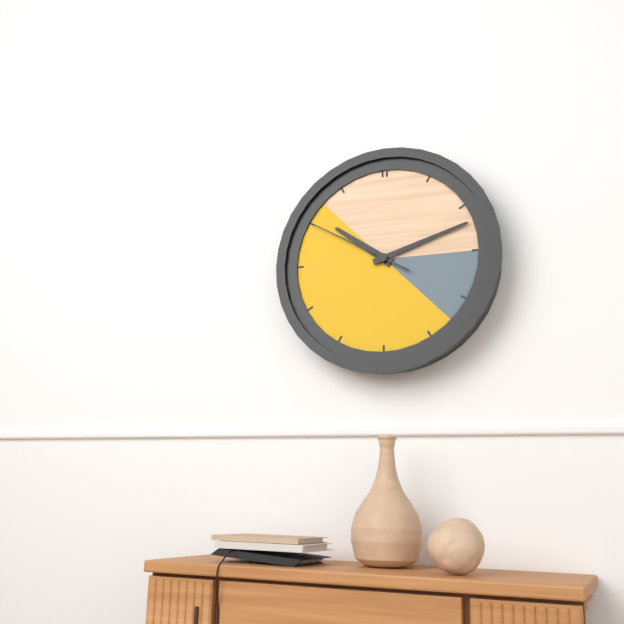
10:12:50
